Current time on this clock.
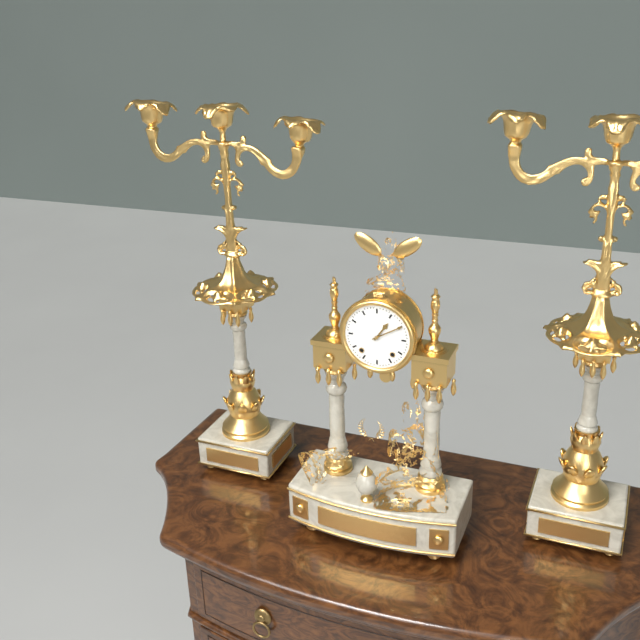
1:10
